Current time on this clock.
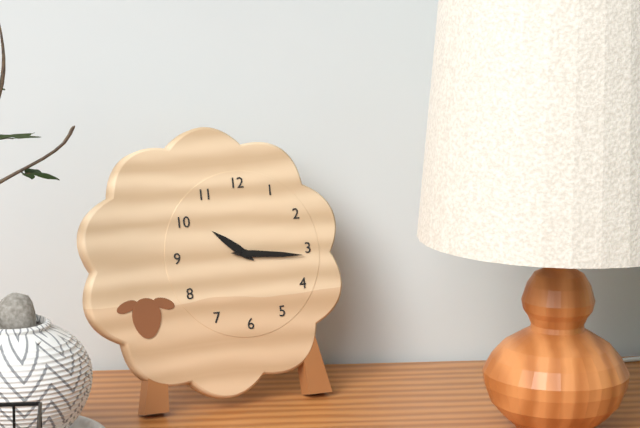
10:16
